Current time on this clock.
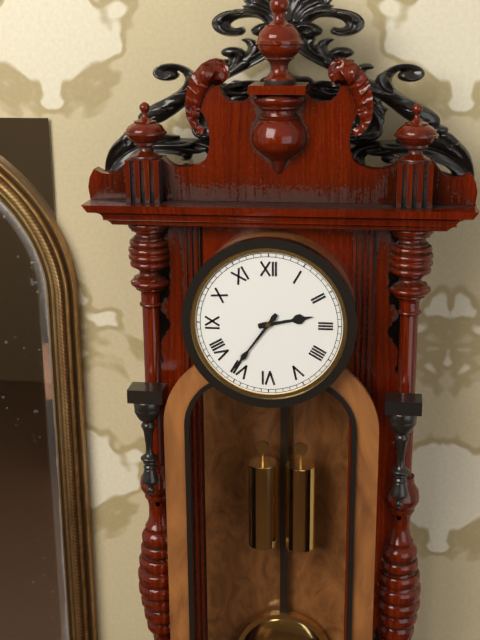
2:36
